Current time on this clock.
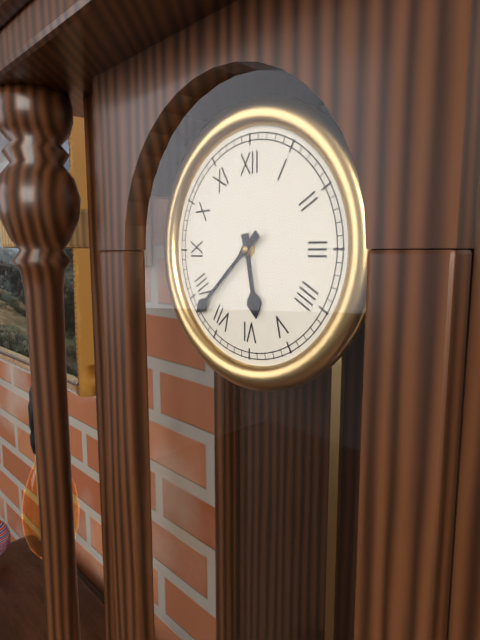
5:38
